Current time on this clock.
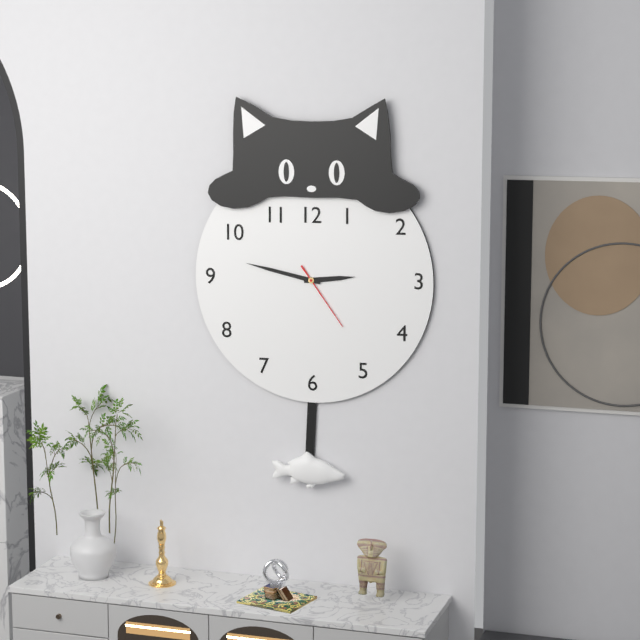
2:47:24
